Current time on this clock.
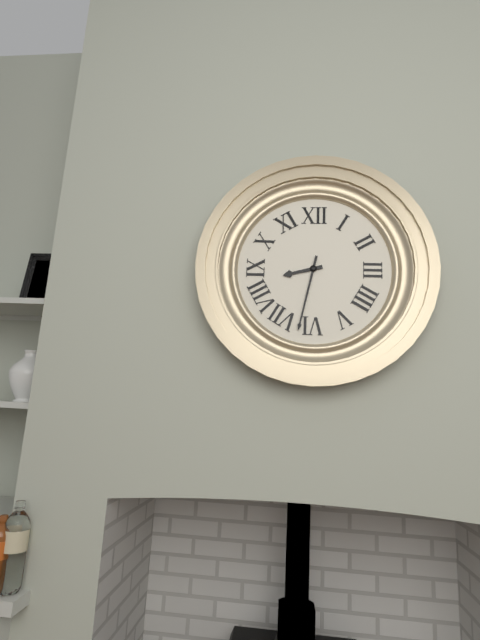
8:32
